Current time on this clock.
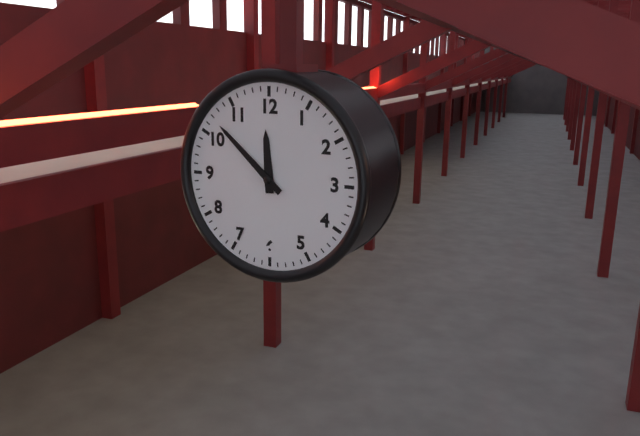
11:52
